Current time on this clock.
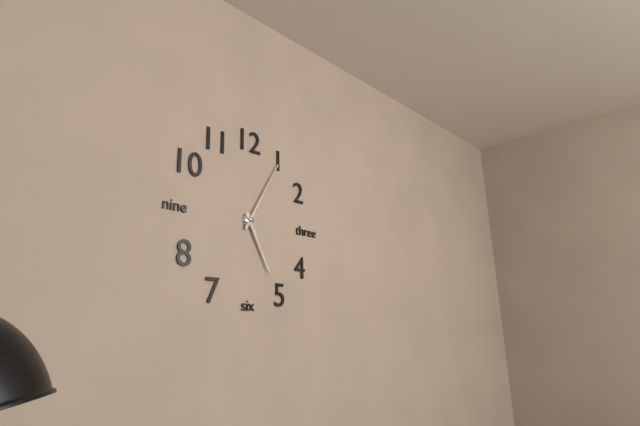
5:05
